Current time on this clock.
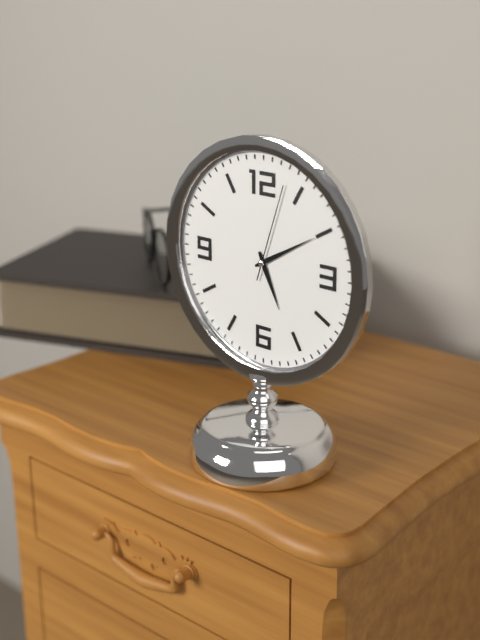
5:10:03
